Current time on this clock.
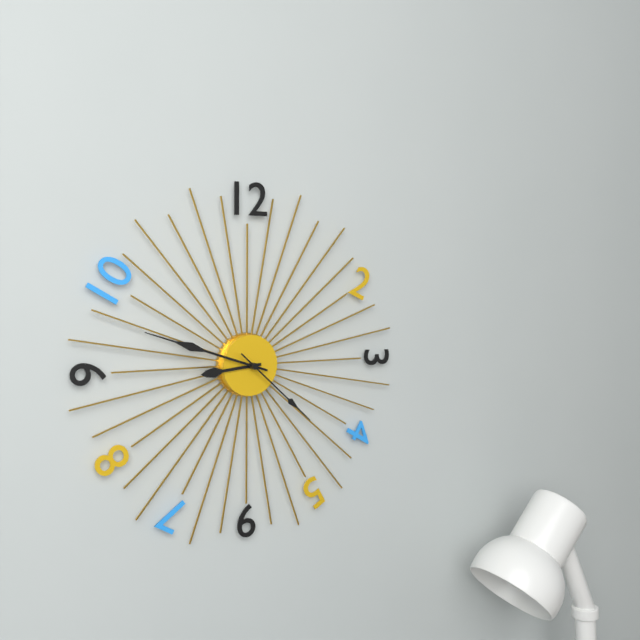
8:48:22
